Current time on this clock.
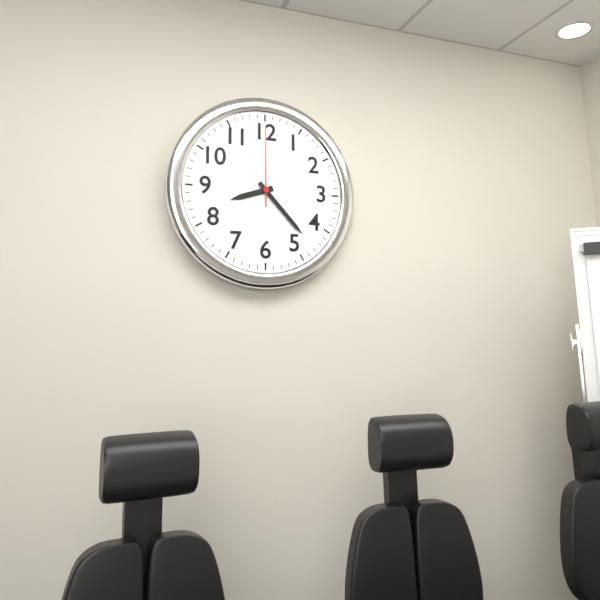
8:23:00
